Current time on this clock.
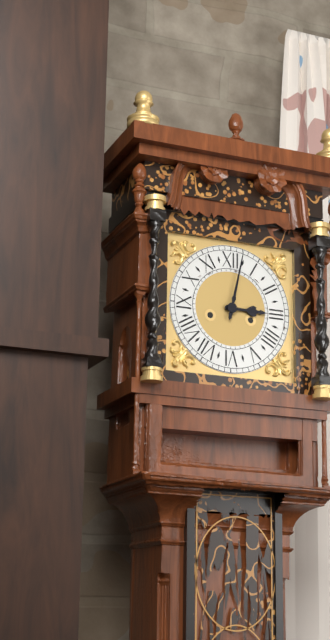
3:02
